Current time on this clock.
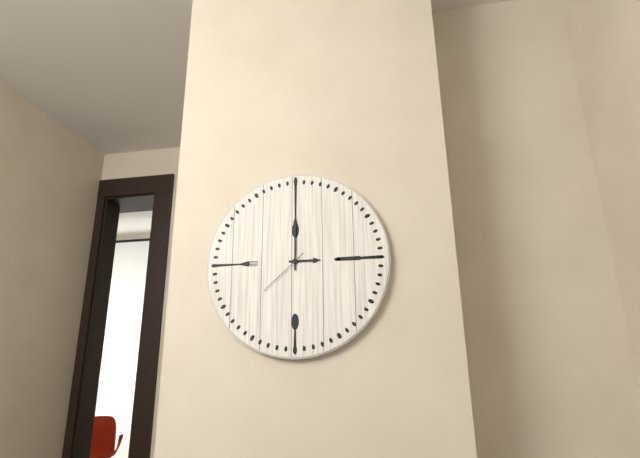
3:00:38
